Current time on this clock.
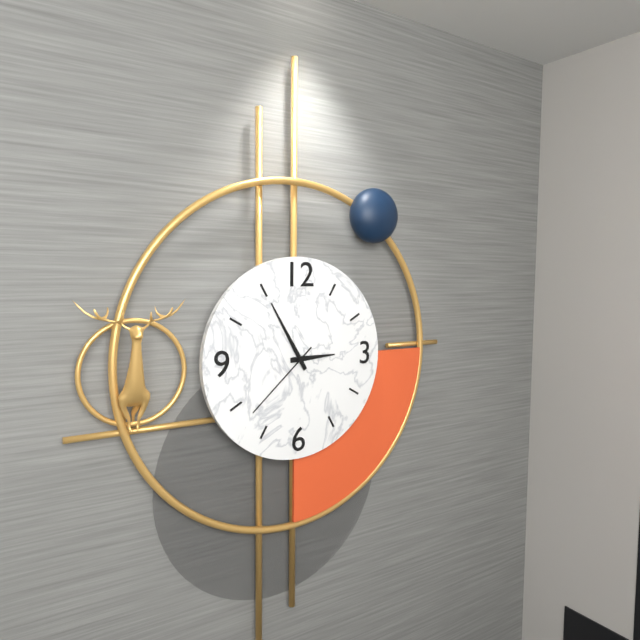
2:55:38
